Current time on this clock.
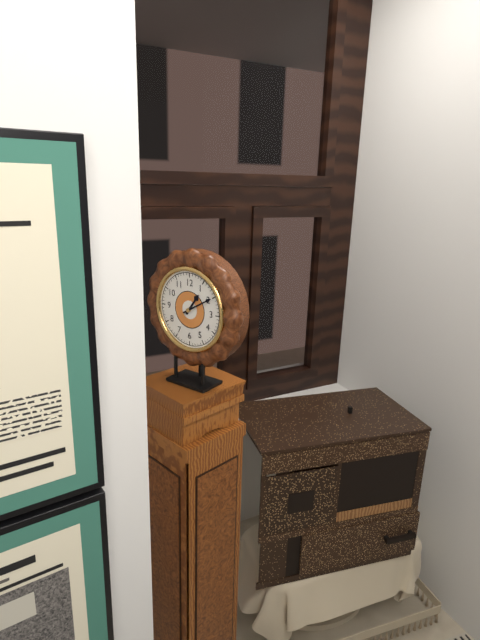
1:10
